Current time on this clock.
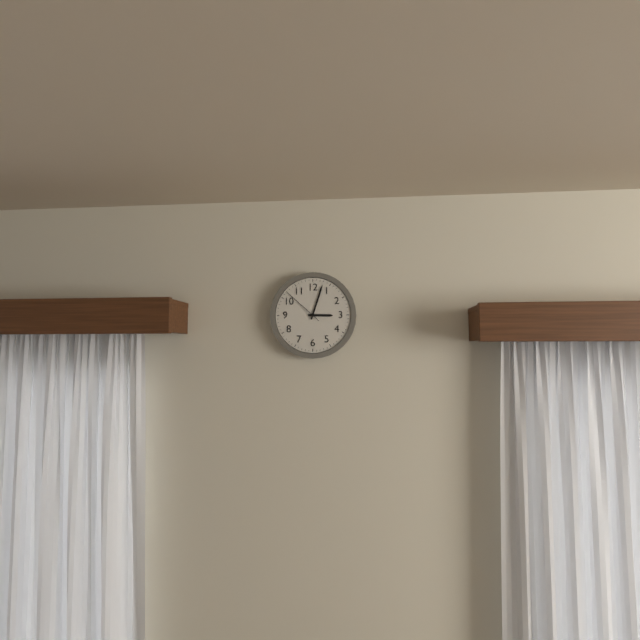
3:03
